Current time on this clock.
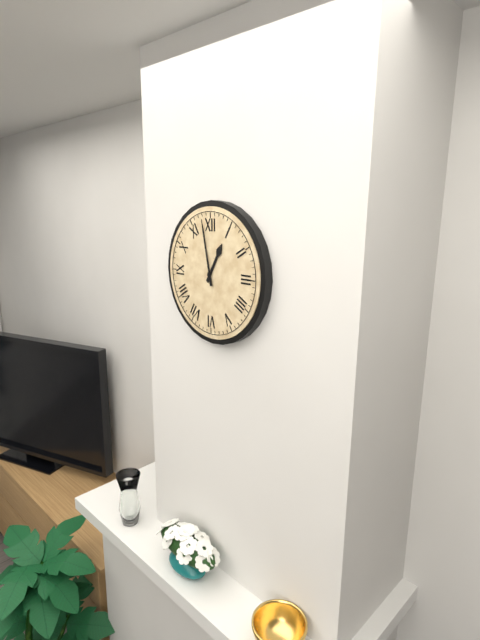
12:58
